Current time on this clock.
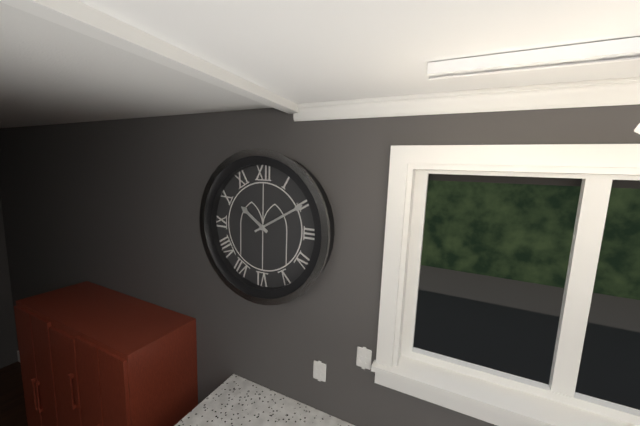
10:10
